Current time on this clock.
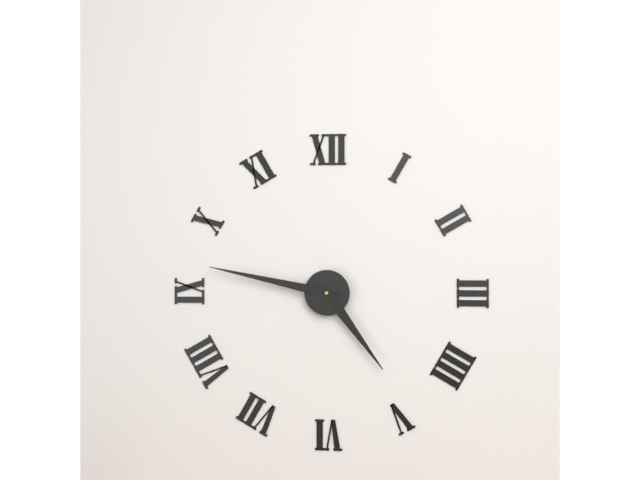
4:47
